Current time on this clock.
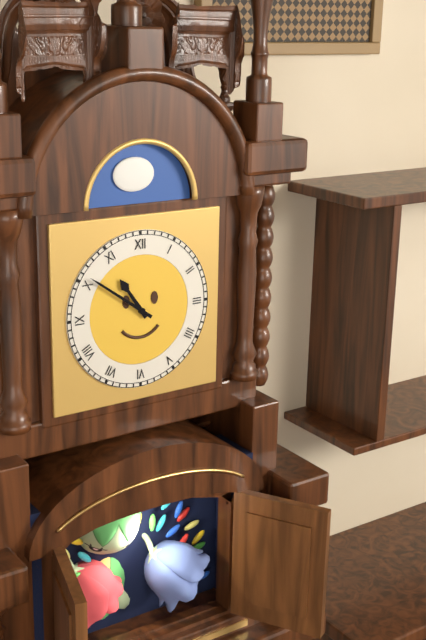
10:51
